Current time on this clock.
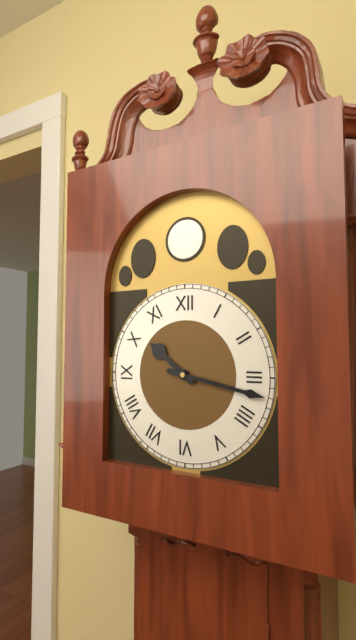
10:17
